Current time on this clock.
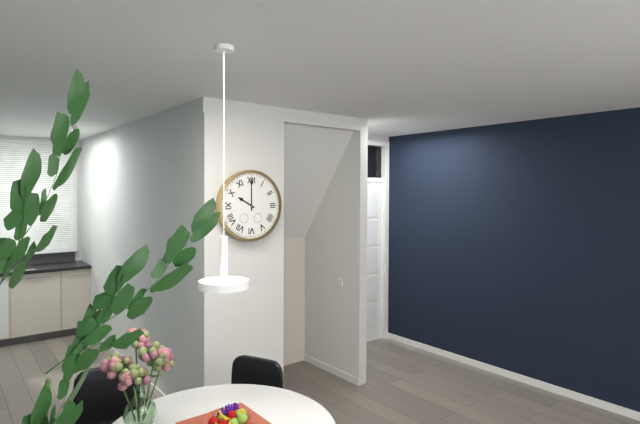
10:00
